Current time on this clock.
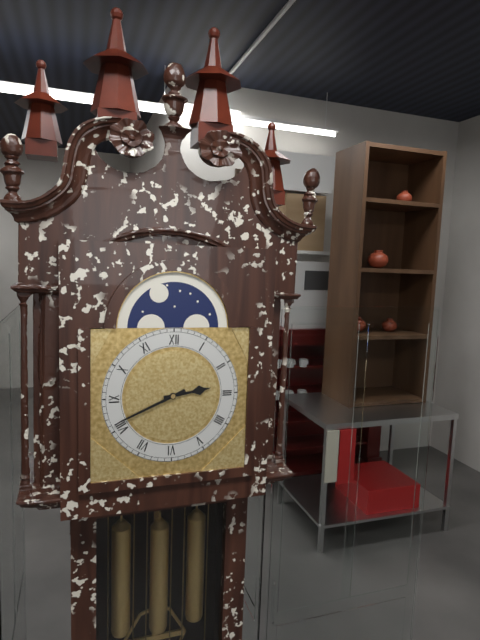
2:41
